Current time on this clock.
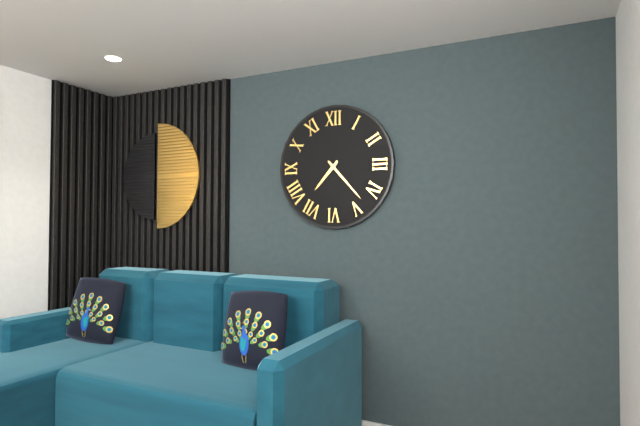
7:23
